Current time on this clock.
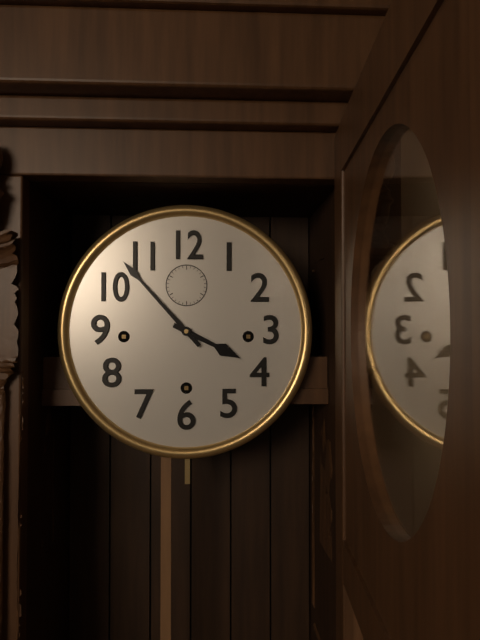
3:53
